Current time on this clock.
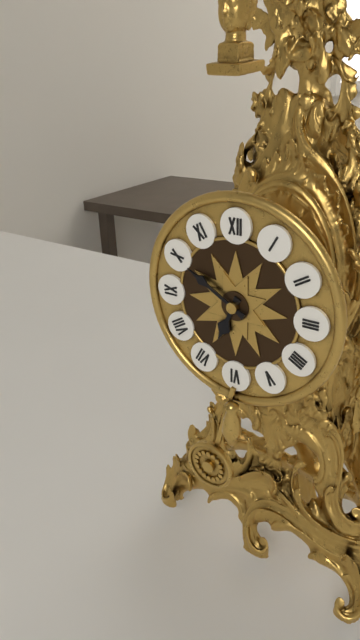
6:50
